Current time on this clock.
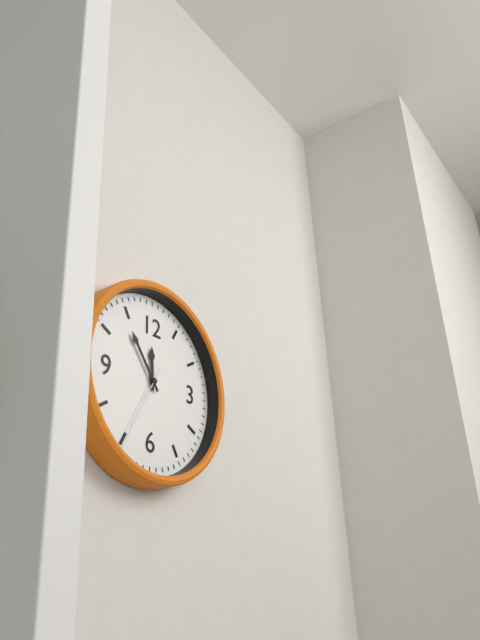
11:54:35
